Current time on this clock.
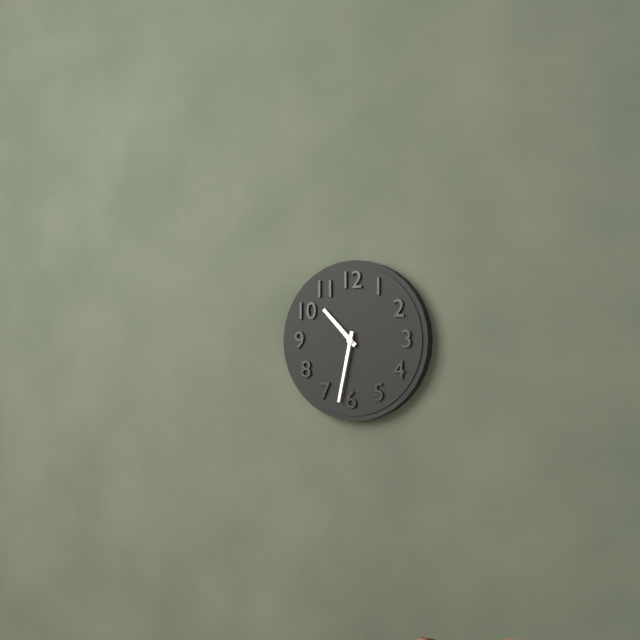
10:32
